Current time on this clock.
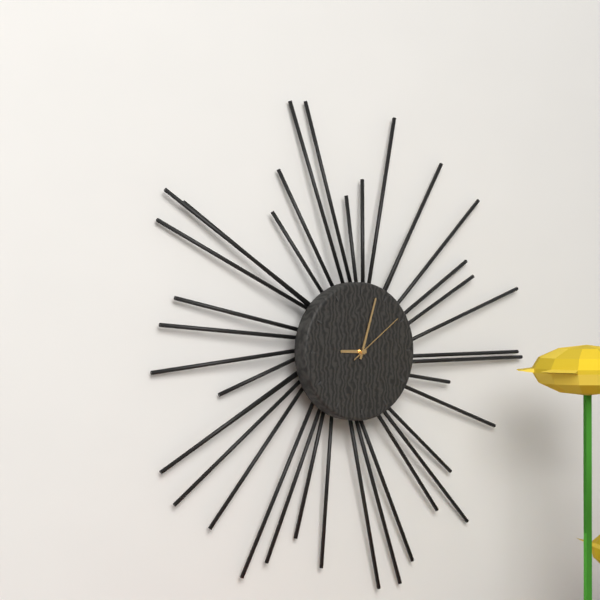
9:03:09
